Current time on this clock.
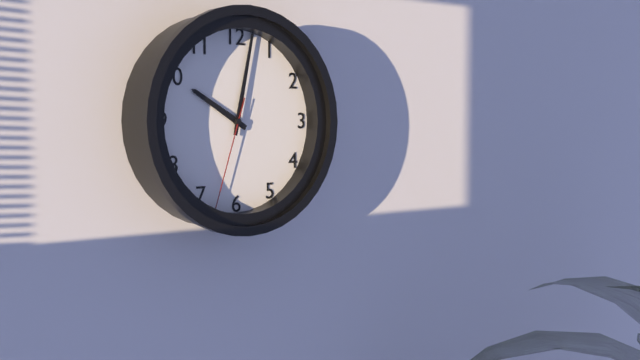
10:02:33
